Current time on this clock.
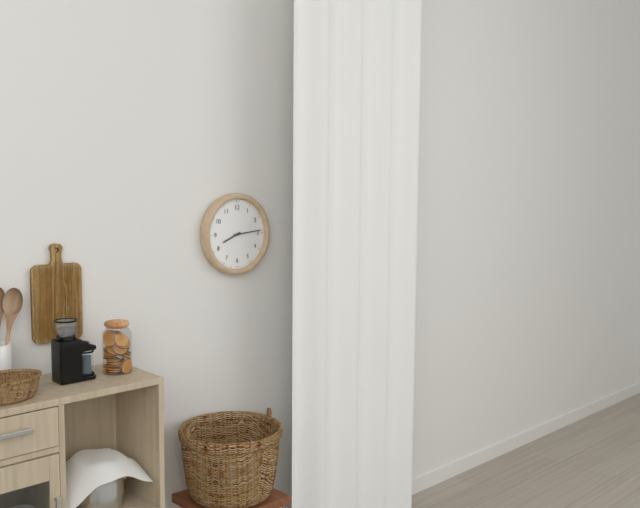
8:14
